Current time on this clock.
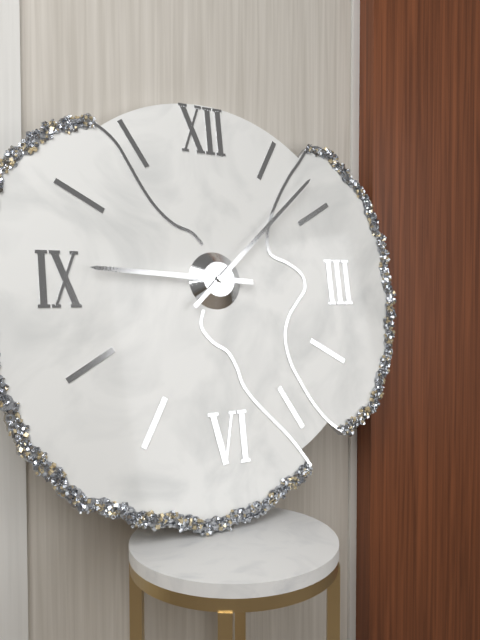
9:08
